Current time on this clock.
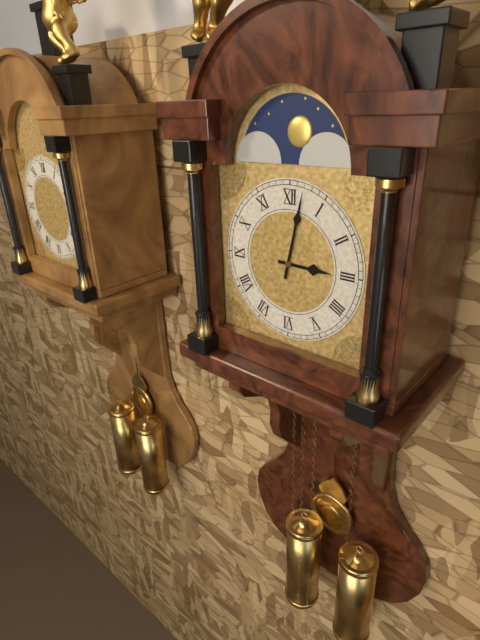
3:02
